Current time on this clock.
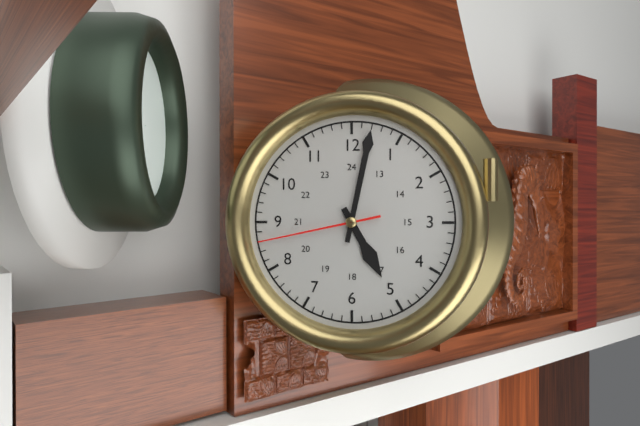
5:02:43
